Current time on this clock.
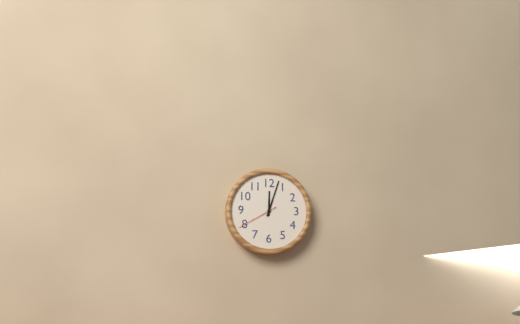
12:03
